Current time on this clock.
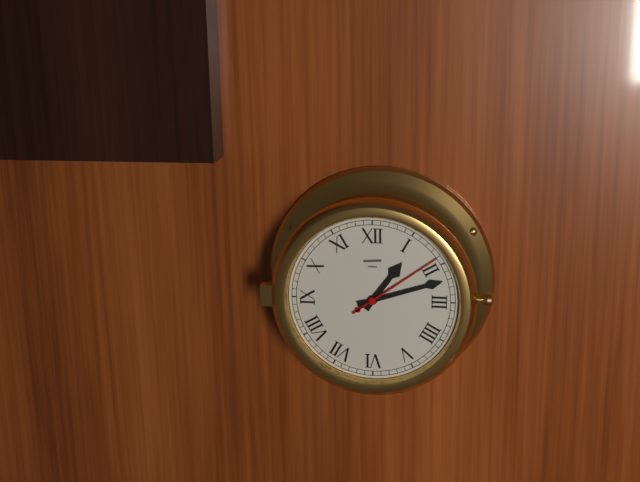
1:12:09
